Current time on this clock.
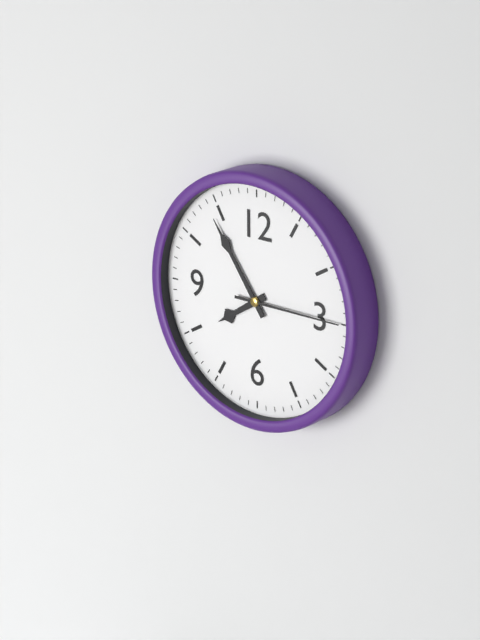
7:54:15
